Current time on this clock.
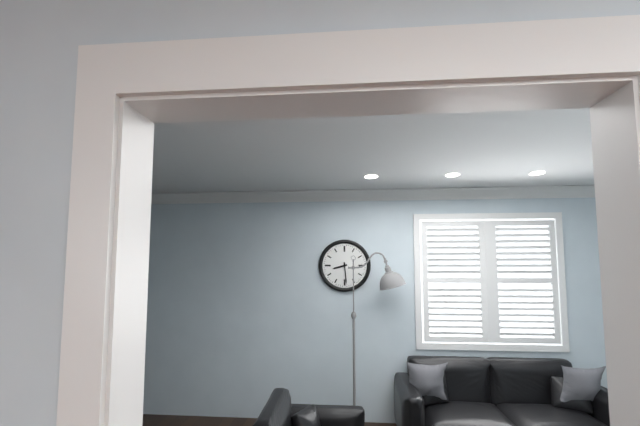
8:29
